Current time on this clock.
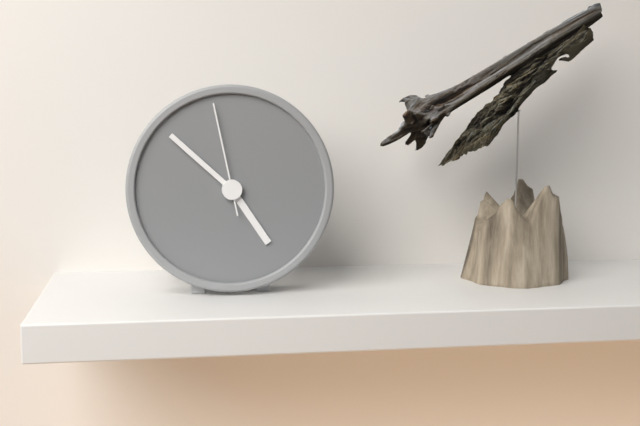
4:52:58
